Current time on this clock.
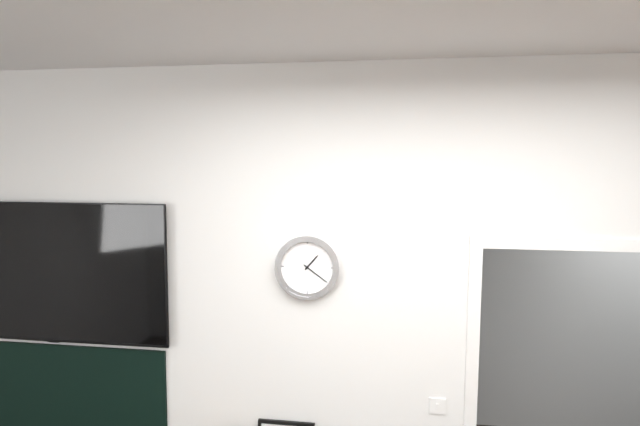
1:21
